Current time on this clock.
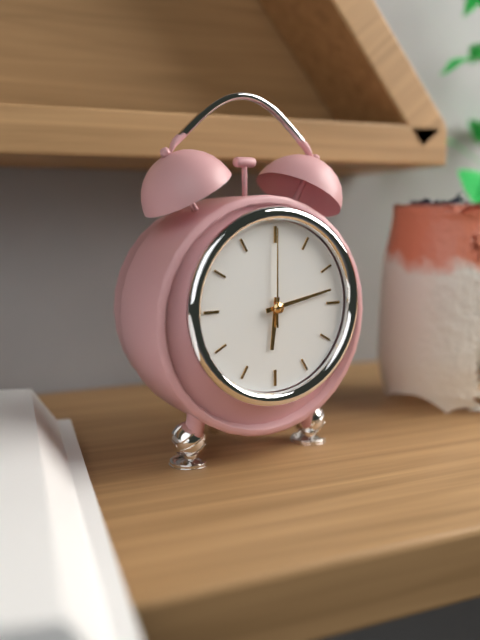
6:13:00
